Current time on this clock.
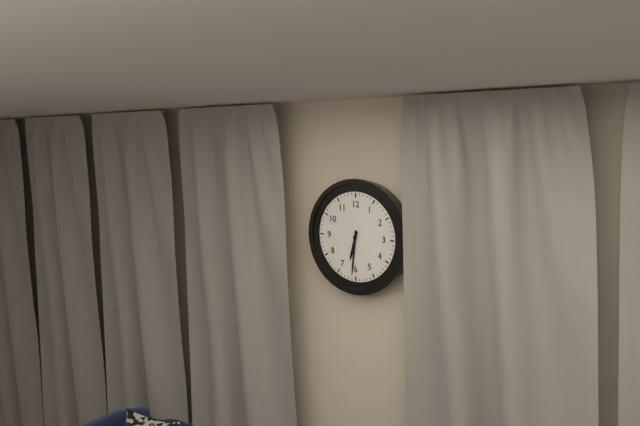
6:31
